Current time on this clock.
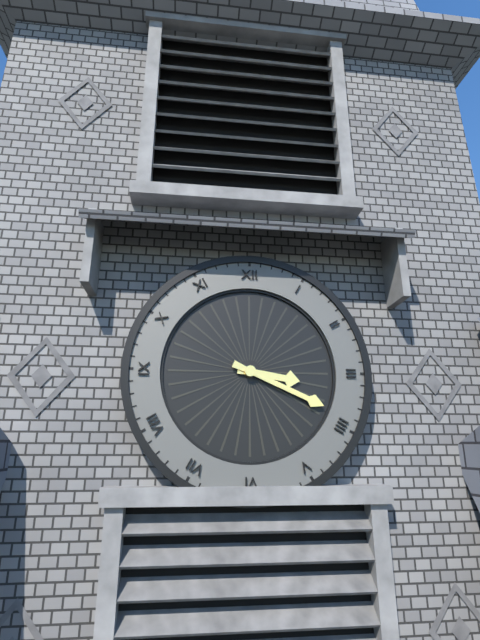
3:19
